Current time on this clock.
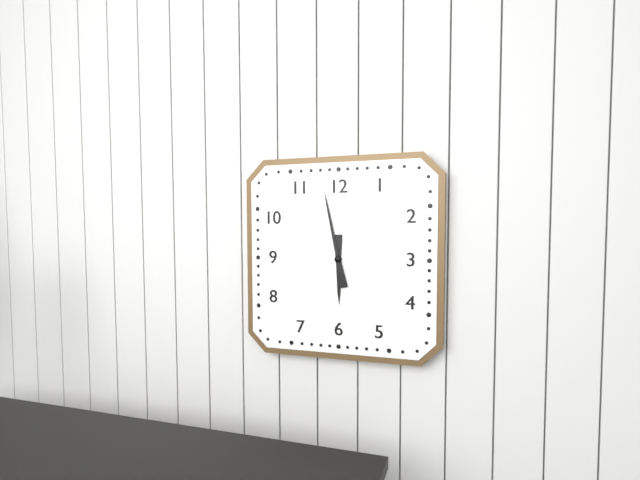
5:58
